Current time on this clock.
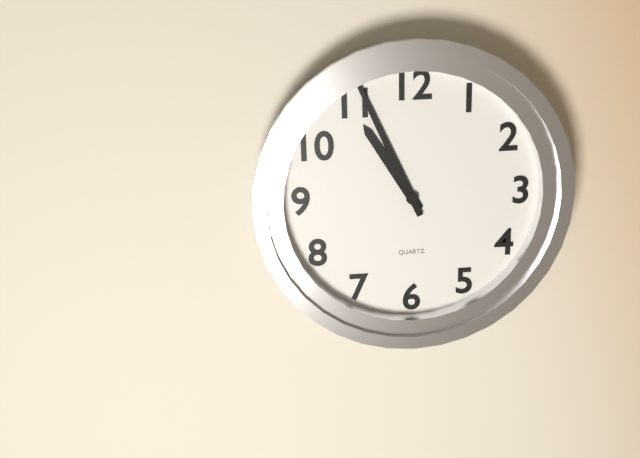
10:56
